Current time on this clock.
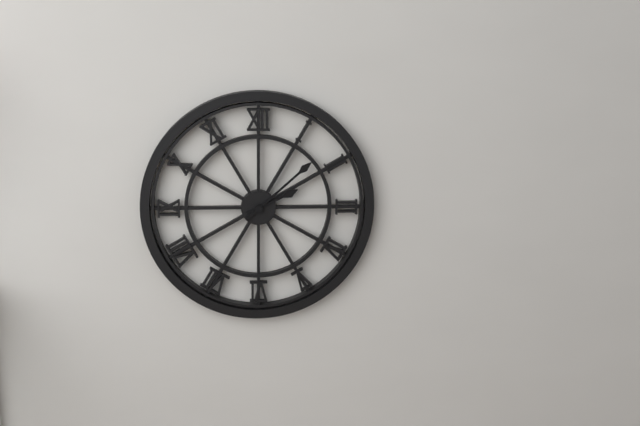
2:08
